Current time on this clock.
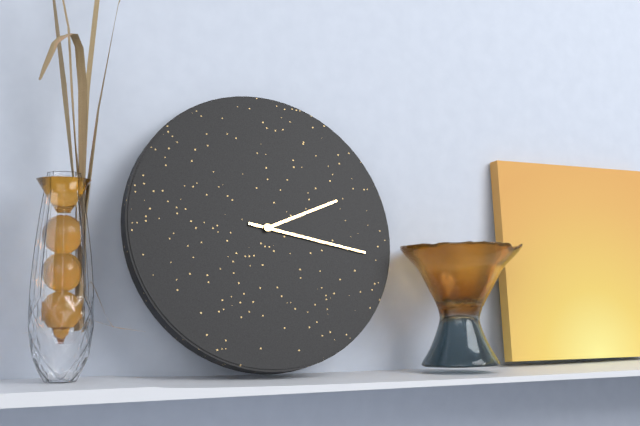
2:17
